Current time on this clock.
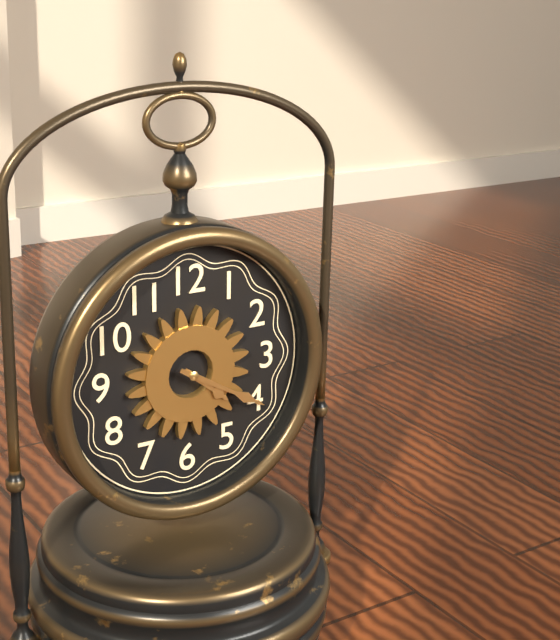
4:20
